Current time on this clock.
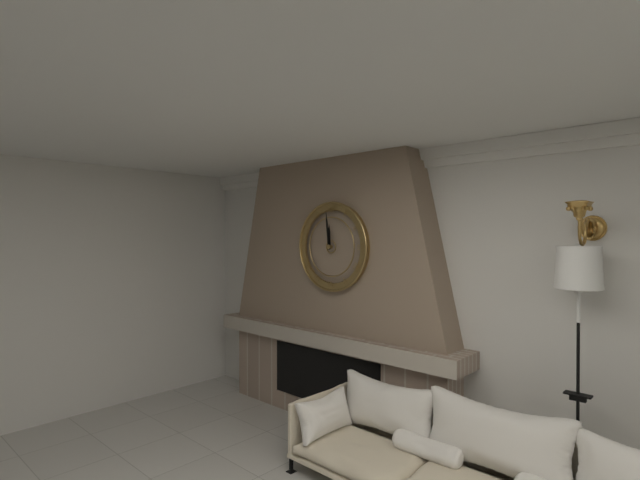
11:59
